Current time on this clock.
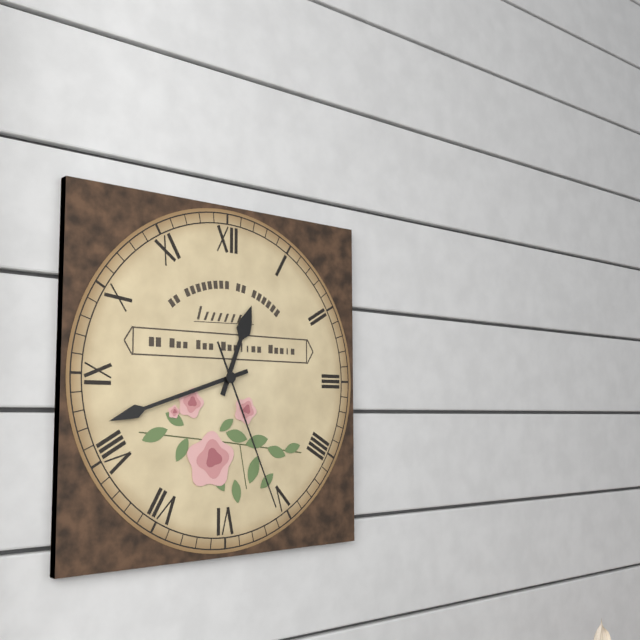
12:42:26
